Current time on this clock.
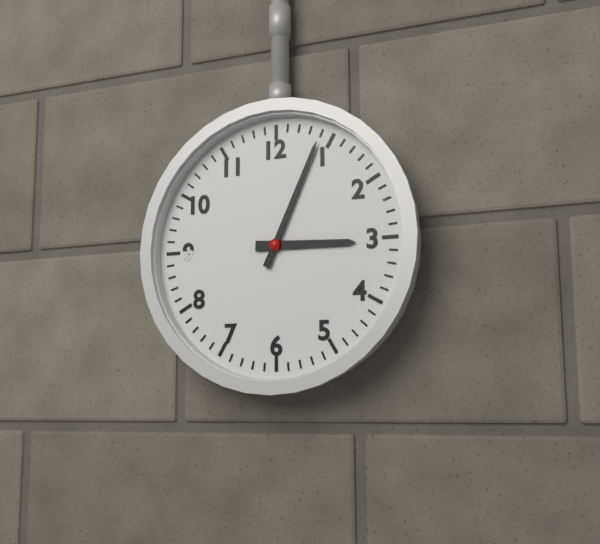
3:04
